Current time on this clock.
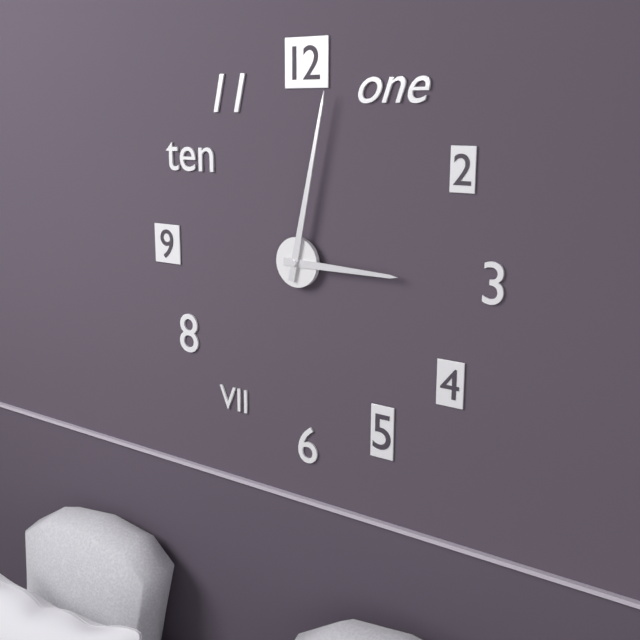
3:02
